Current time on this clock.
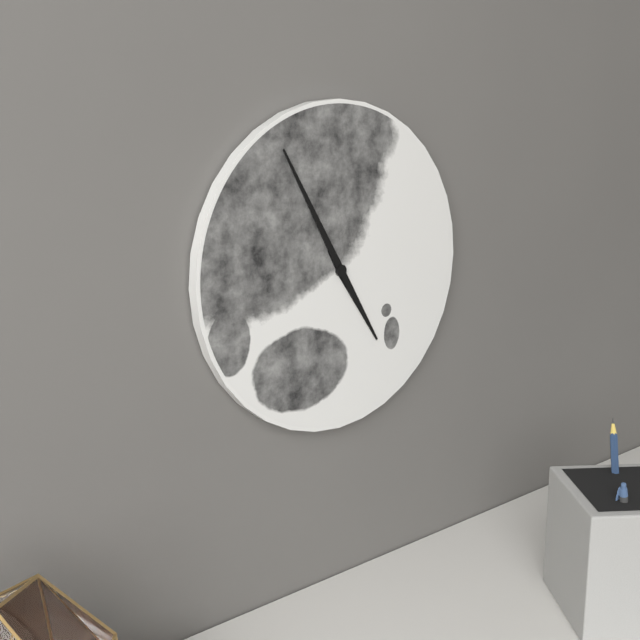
4:55
